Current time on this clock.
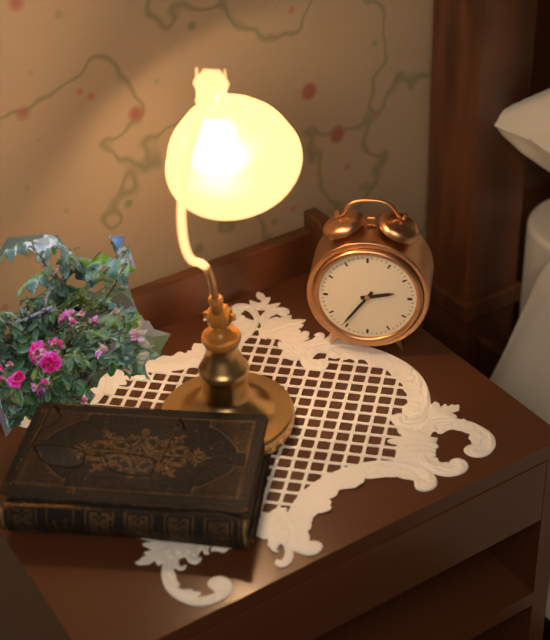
2:36
